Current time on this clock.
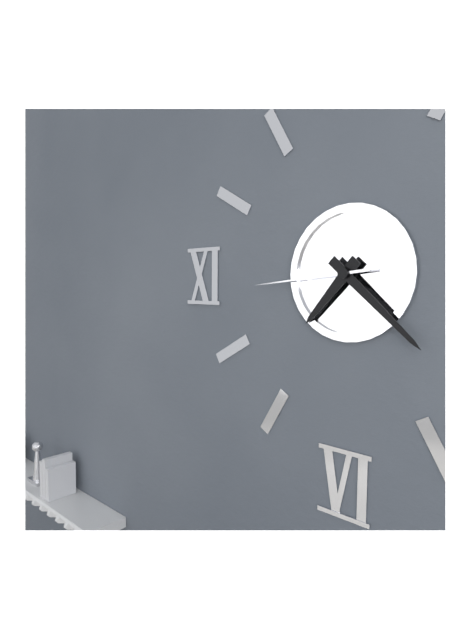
7:22:44
